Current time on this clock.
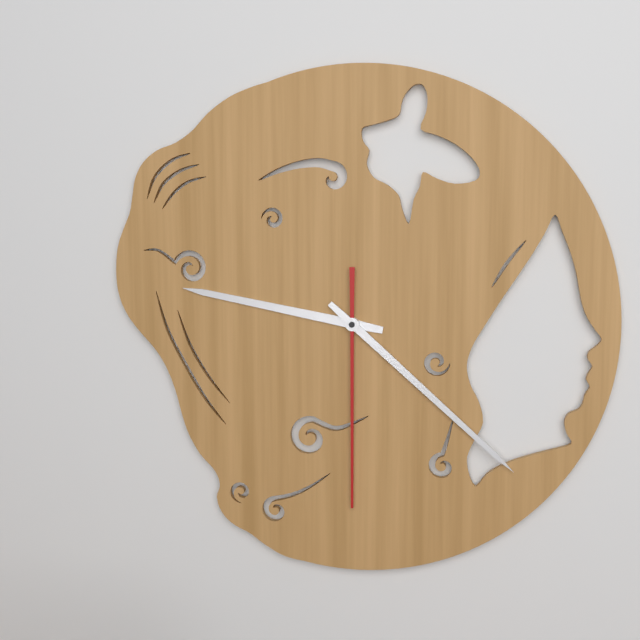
9:22:30
